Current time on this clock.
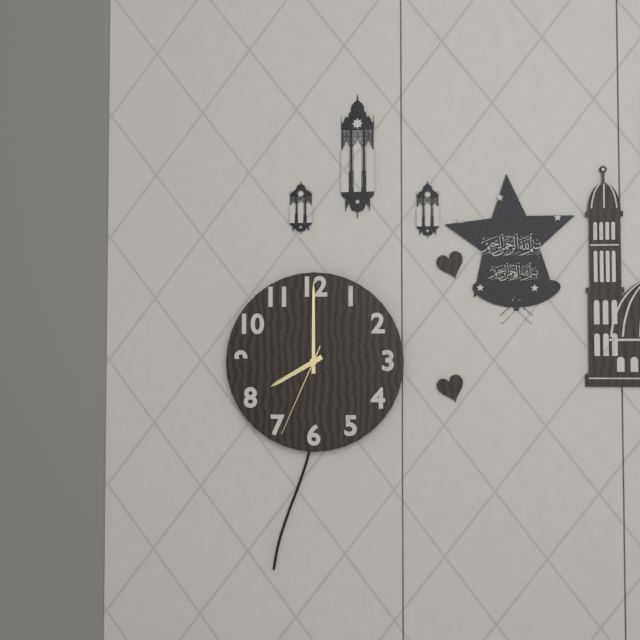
8:00:34
